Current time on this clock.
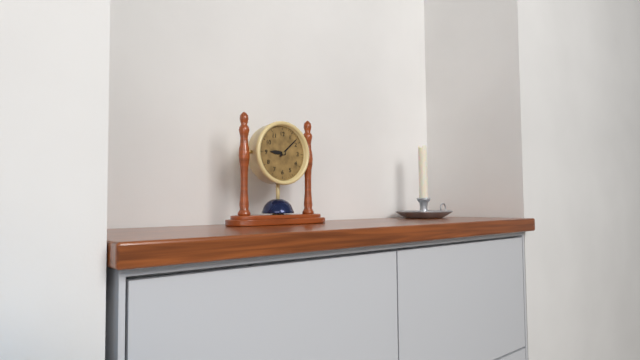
9:08
